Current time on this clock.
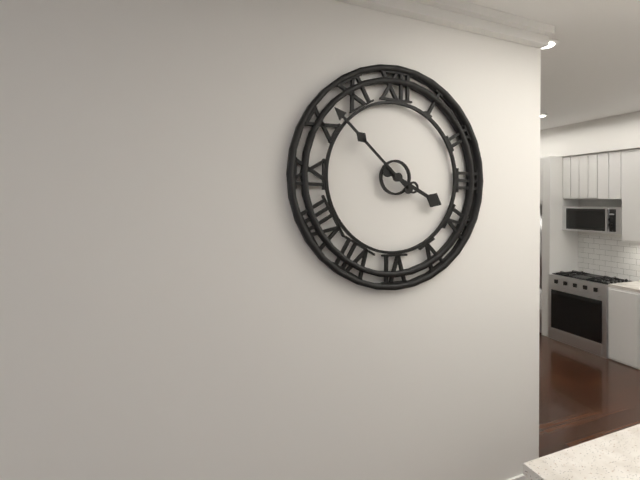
3:52
